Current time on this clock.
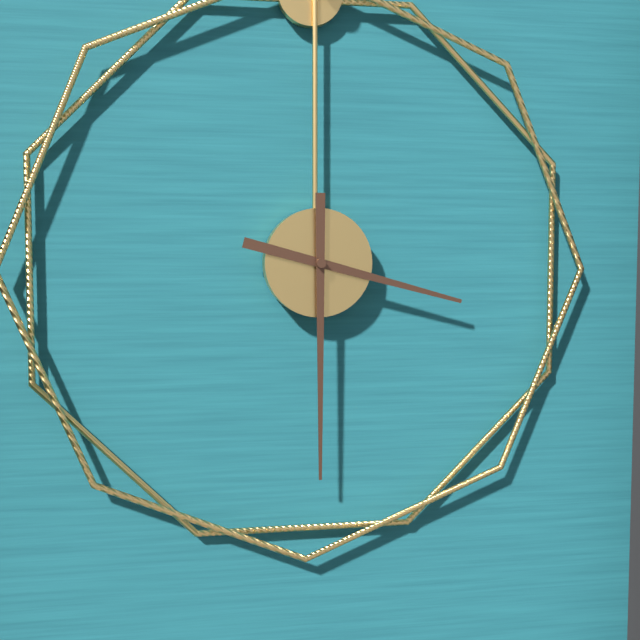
3:30
